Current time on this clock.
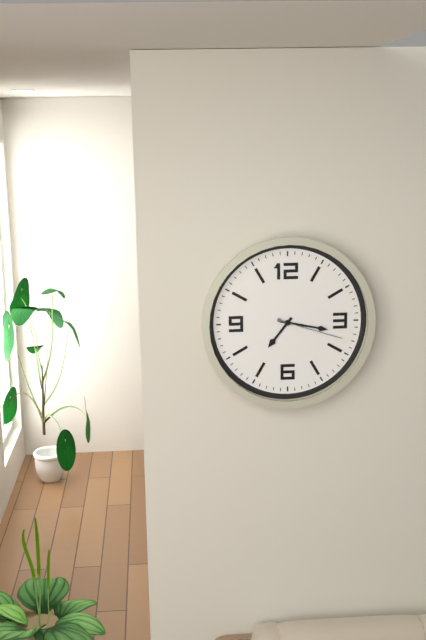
7:17:18
